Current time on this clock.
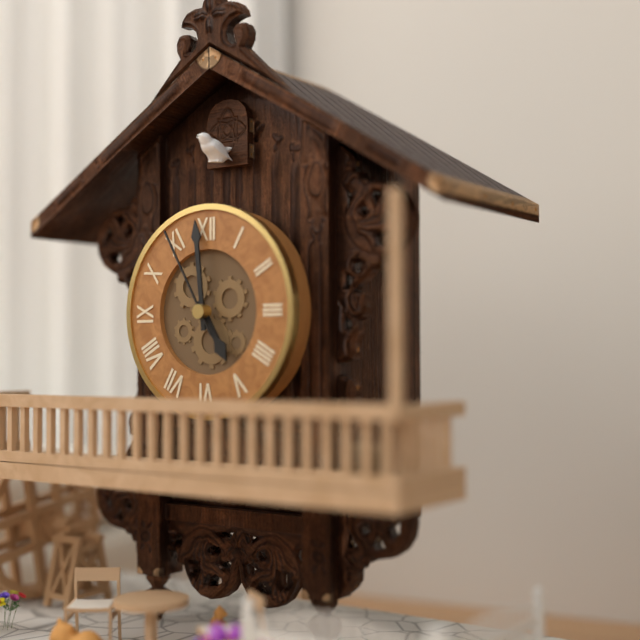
4:59:55
